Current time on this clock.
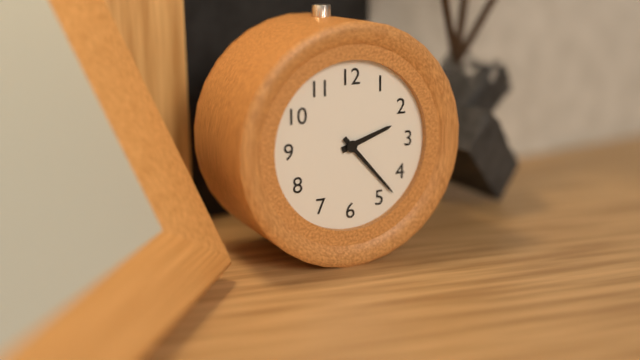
2:23
